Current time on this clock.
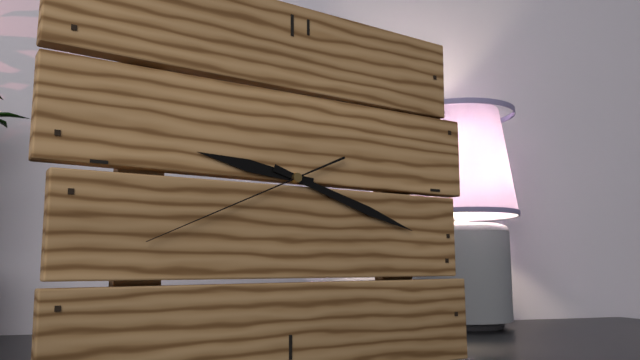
9:18:41
